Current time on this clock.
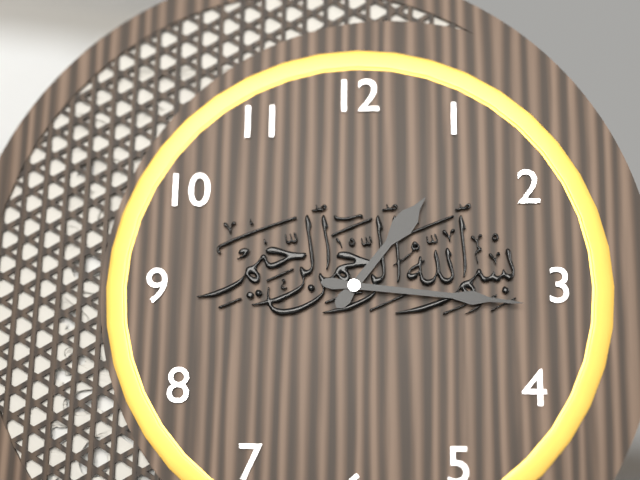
1:16
